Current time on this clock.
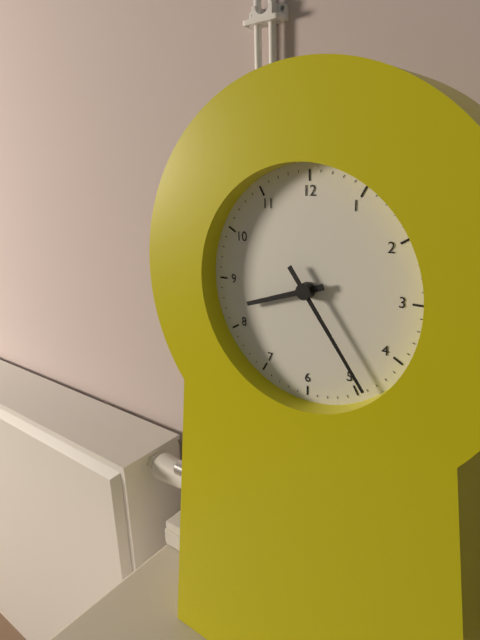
8:24
